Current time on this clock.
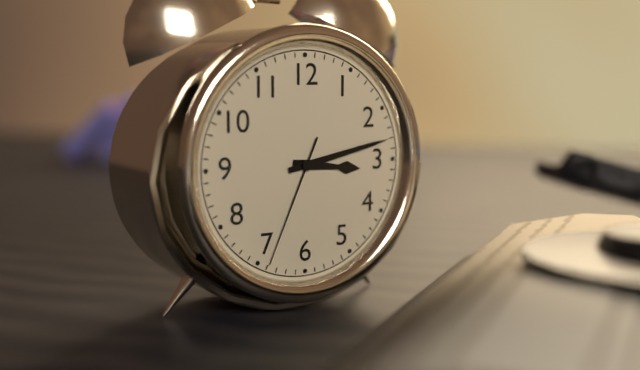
3:13:34
